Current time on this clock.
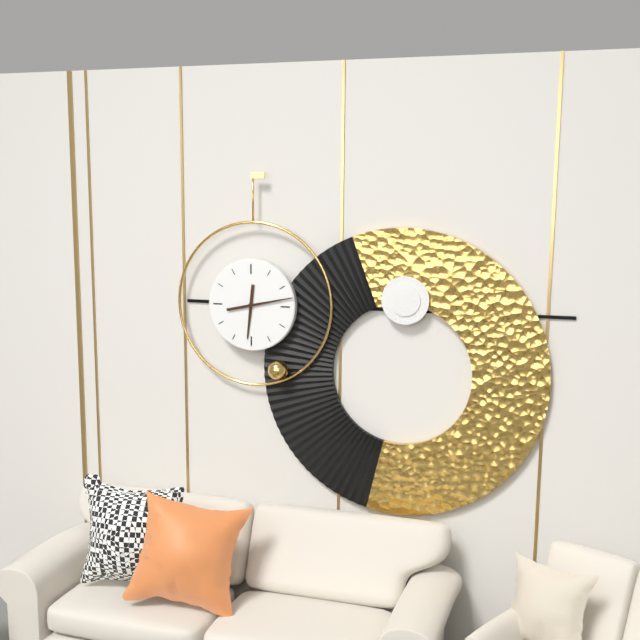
6:13
